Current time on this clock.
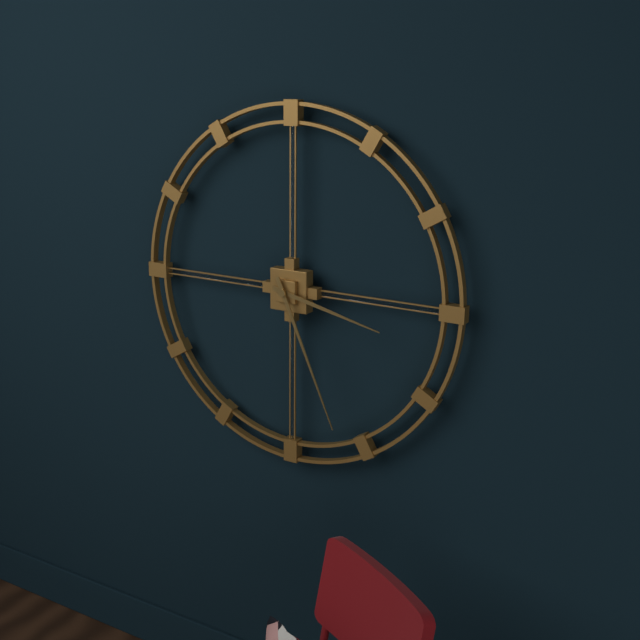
3:26
